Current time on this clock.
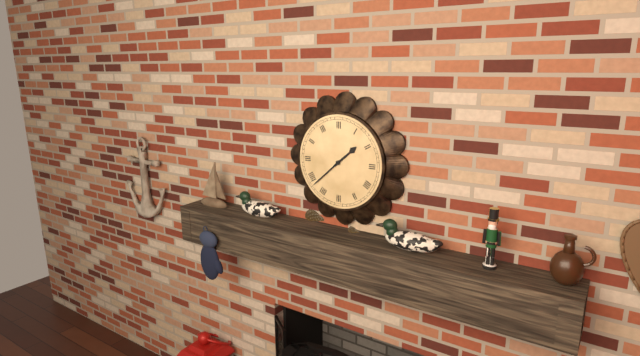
1:38
